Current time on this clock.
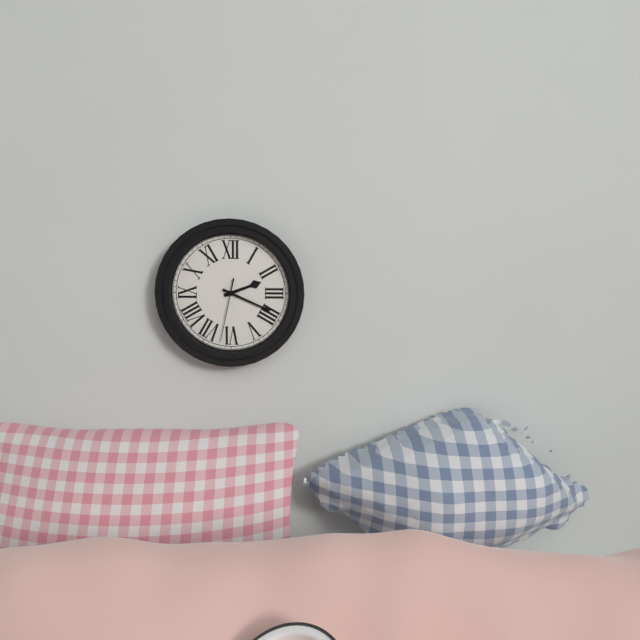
2:19:32
